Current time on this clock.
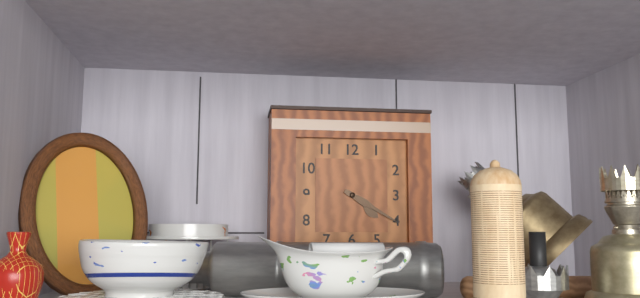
4:20
